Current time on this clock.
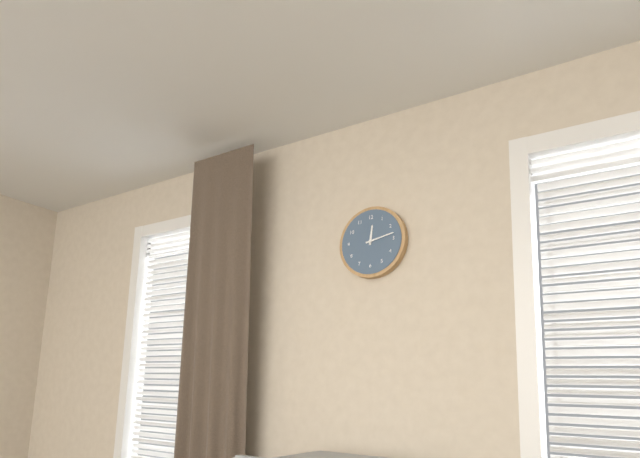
12:13
